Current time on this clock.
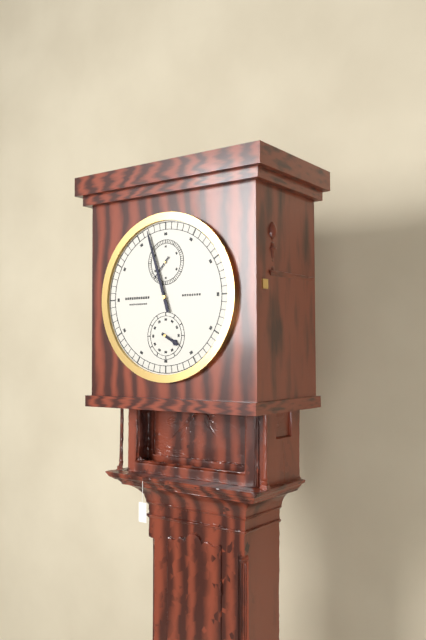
3:57
